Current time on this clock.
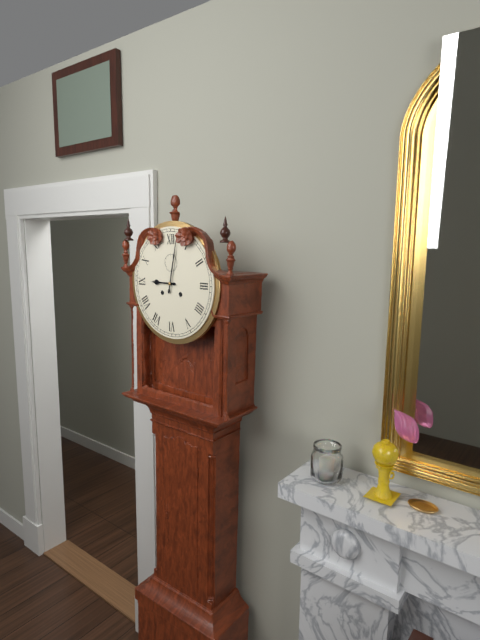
9:02
